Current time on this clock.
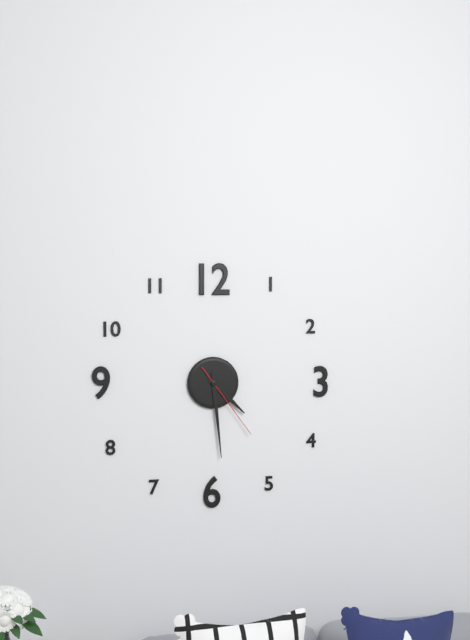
4:29:24
